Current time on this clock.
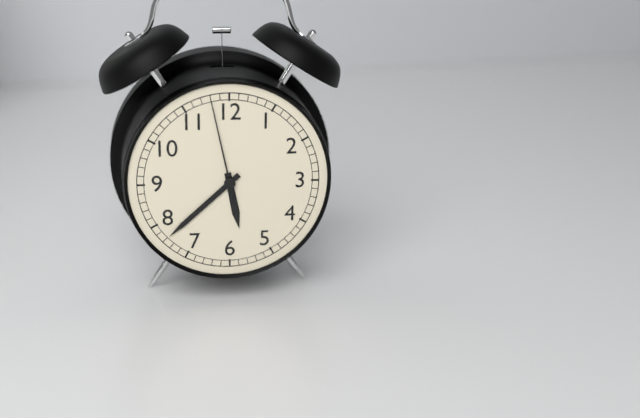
5:38:58
